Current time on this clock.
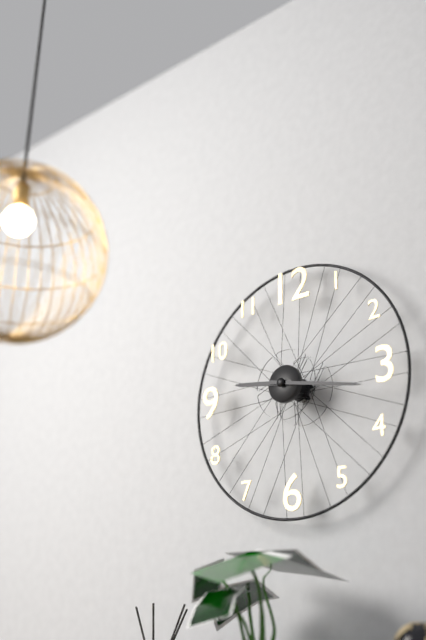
9:17
